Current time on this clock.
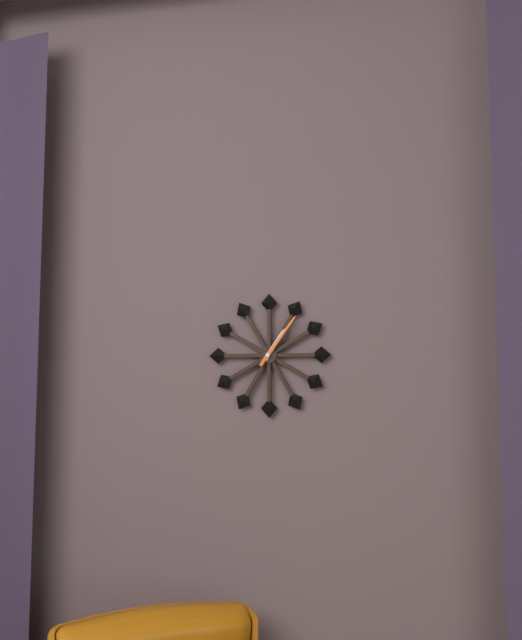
1:06
